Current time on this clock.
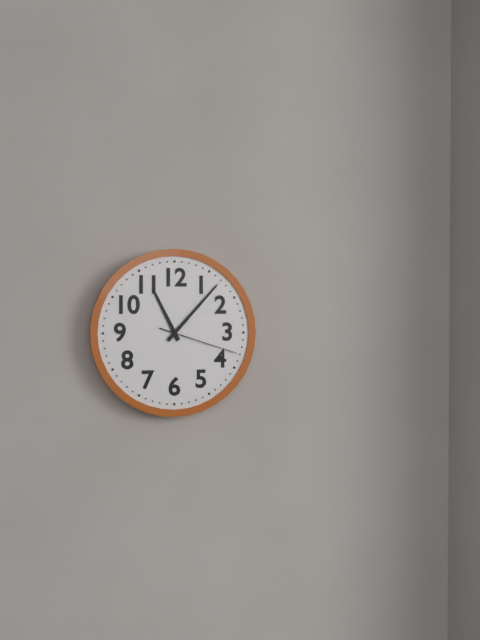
11:07:18
